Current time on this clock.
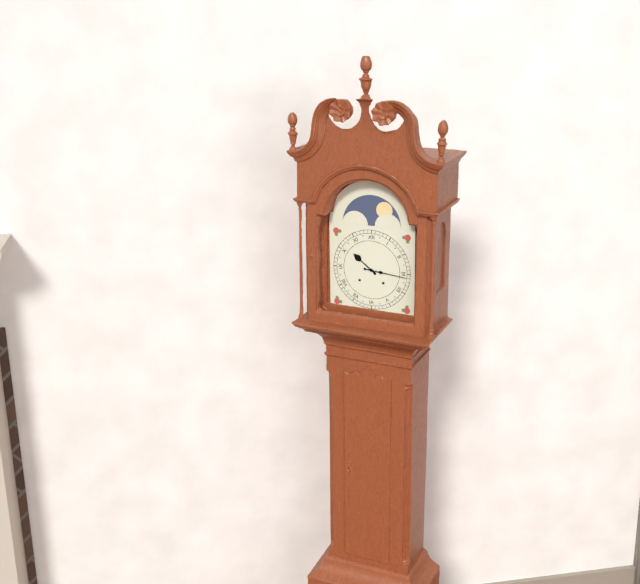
10:16
